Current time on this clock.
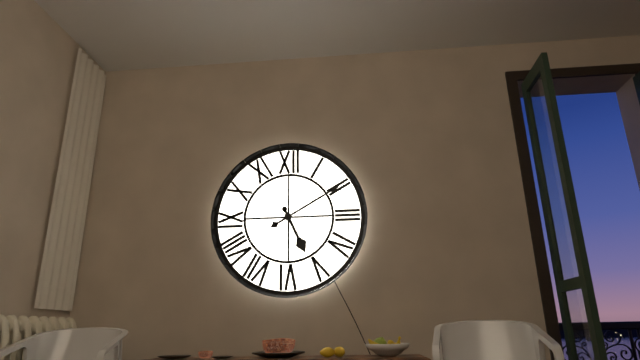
5:10
